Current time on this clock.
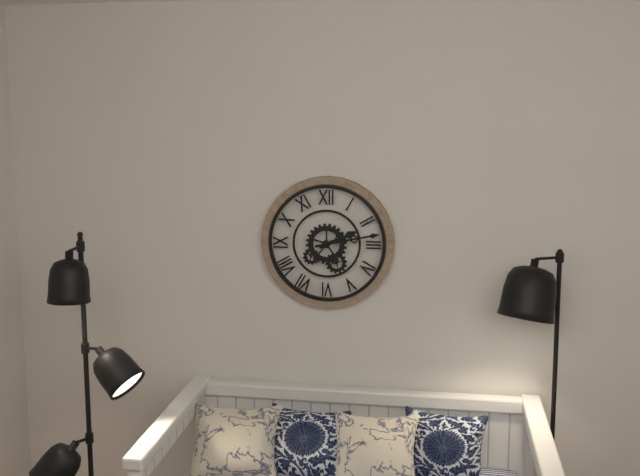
2:13
